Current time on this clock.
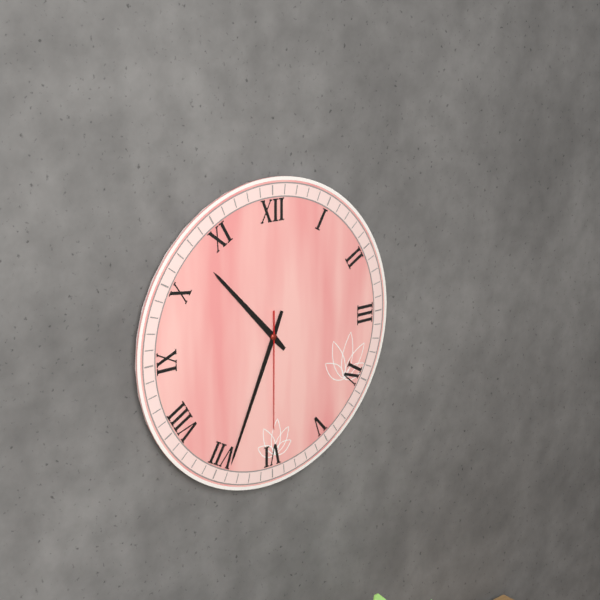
10:34:30
